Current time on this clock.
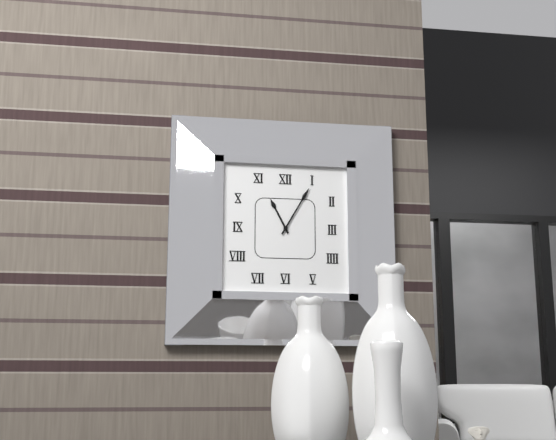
11:05
